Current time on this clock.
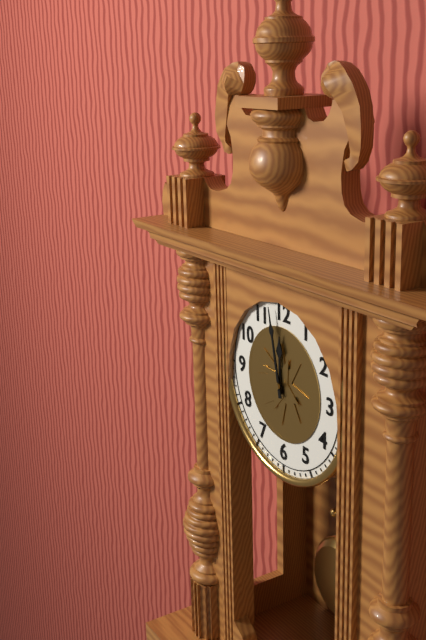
11:58
